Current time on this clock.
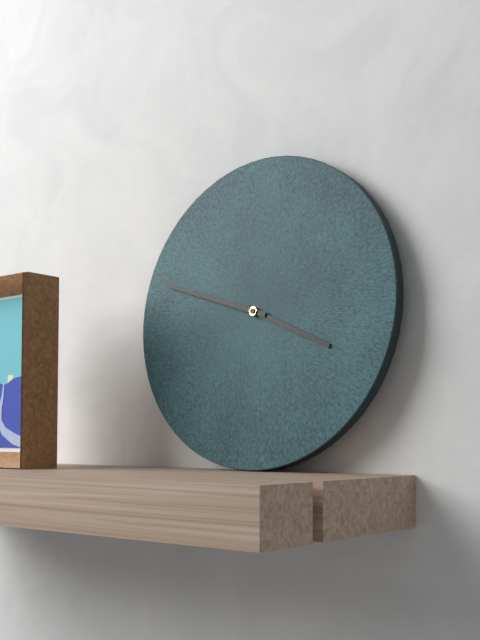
3:48
